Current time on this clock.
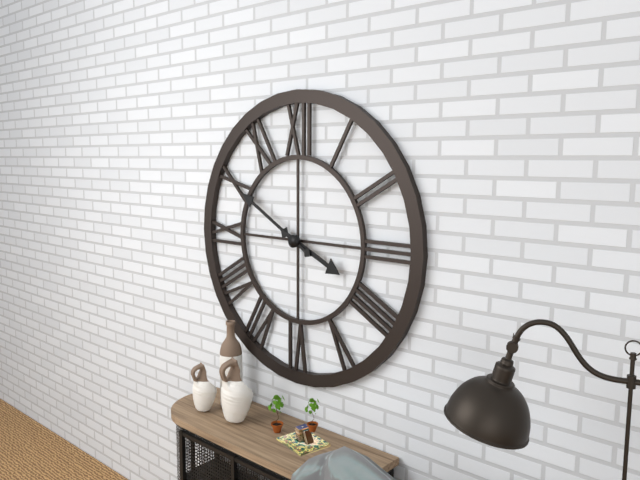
3:50
